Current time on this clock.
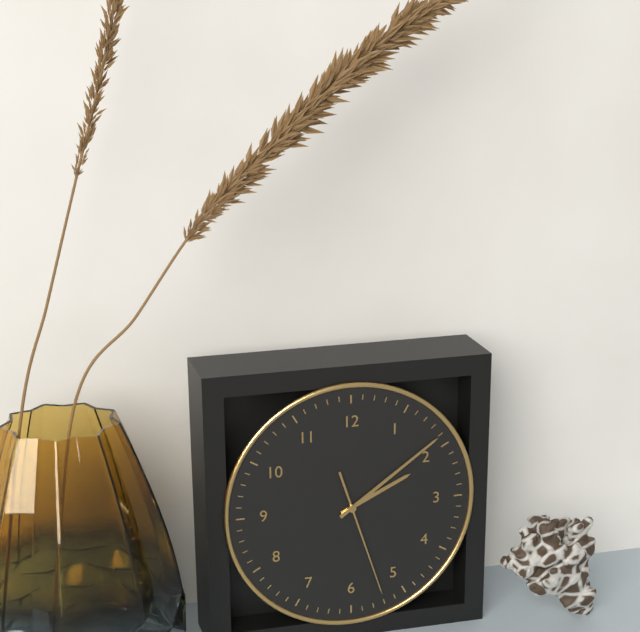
2:09:27
